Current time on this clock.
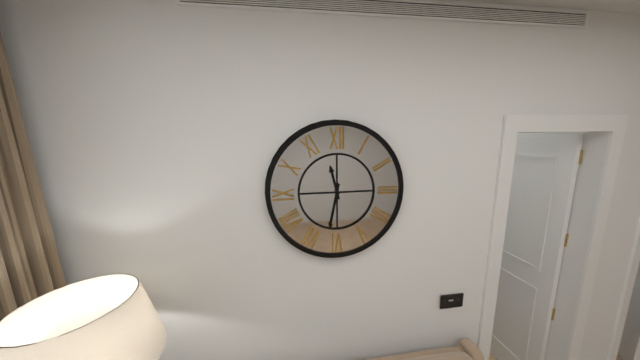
11:32
